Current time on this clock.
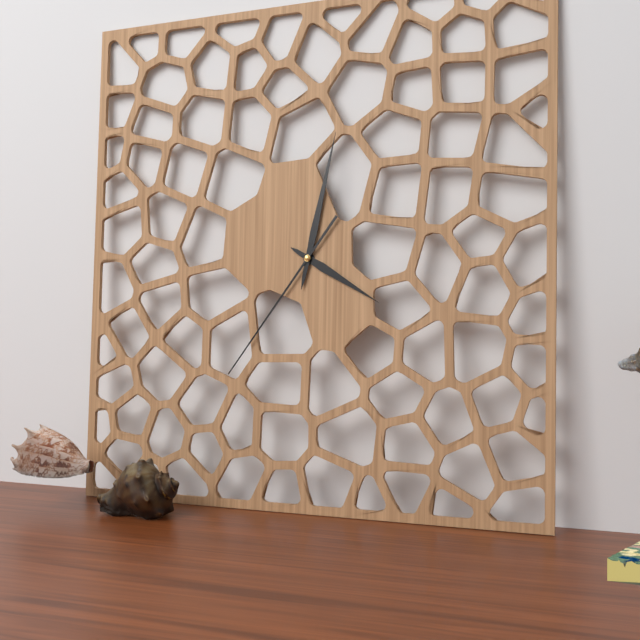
4:02:36
